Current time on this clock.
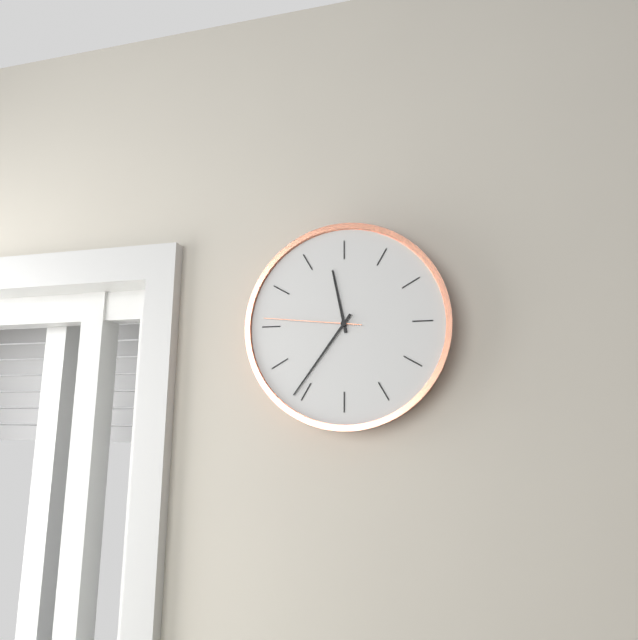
11:36:46
